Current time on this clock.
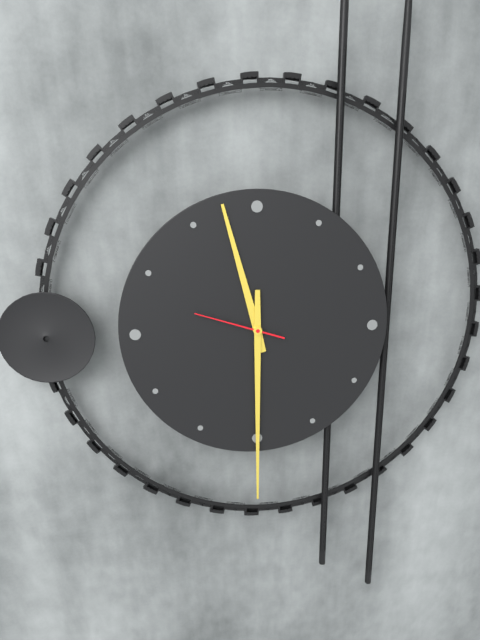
11:30:48
